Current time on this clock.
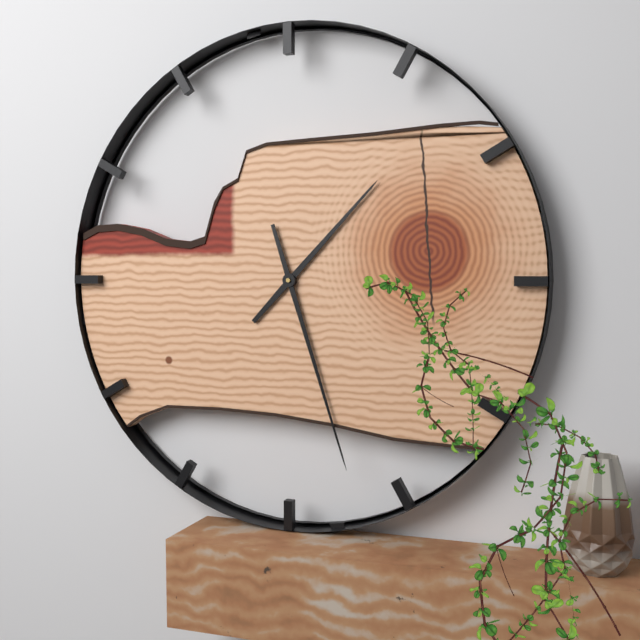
1:27
